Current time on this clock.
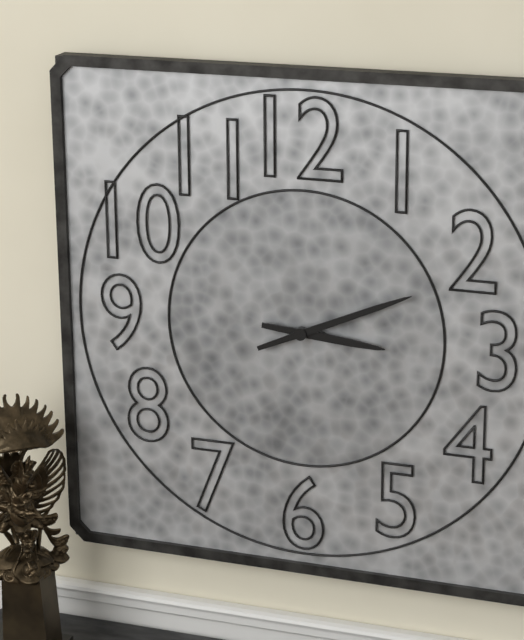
3:11
